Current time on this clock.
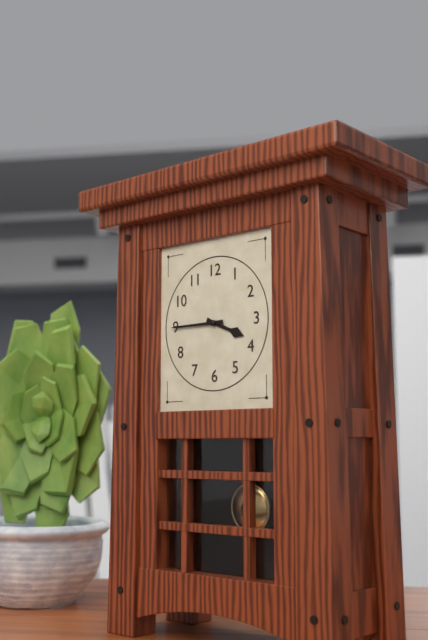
3:45
